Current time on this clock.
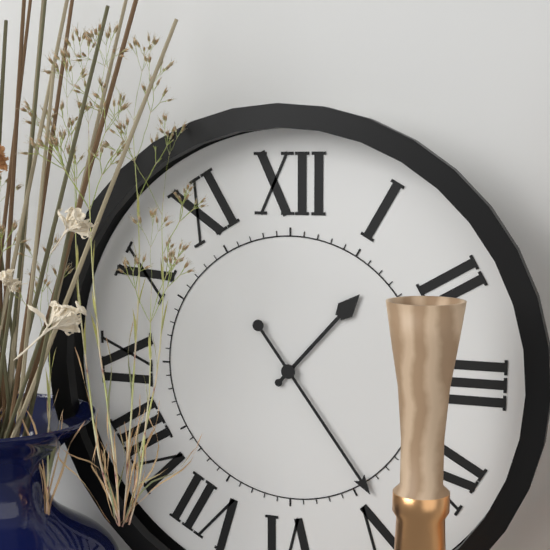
1:24
